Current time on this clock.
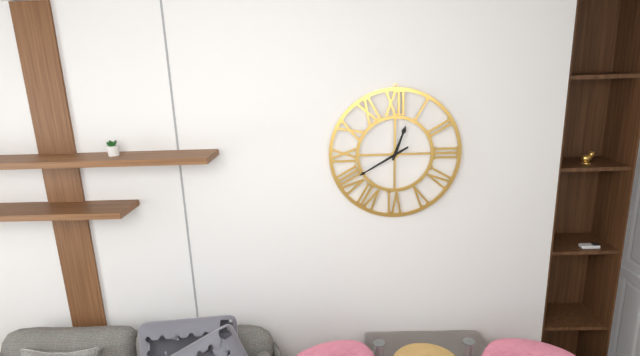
12:40
